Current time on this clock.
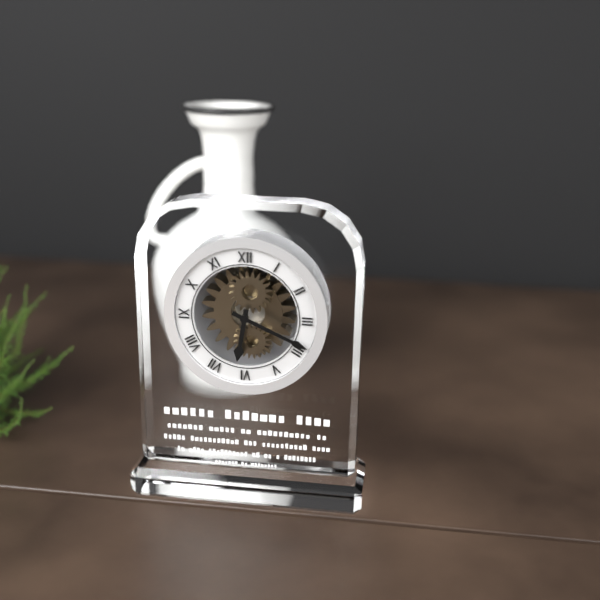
6:19
